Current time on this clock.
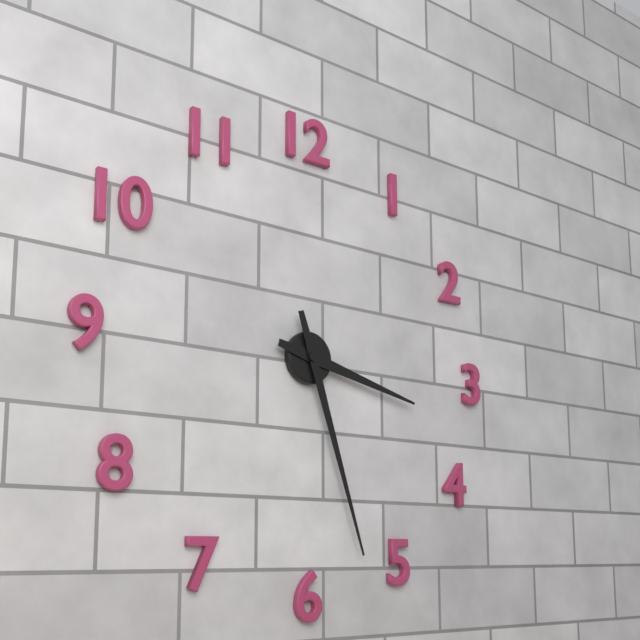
3:27
